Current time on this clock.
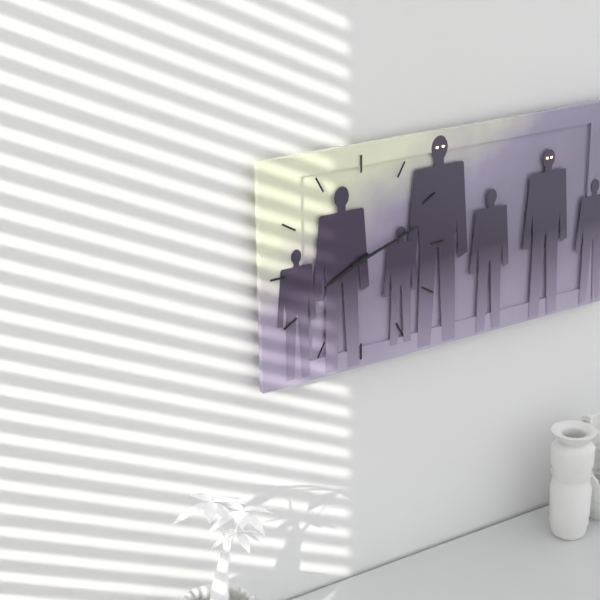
8:12
